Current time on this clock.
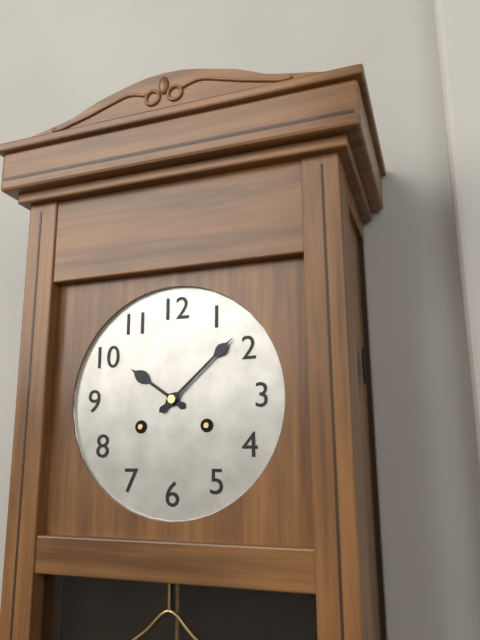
10:08
